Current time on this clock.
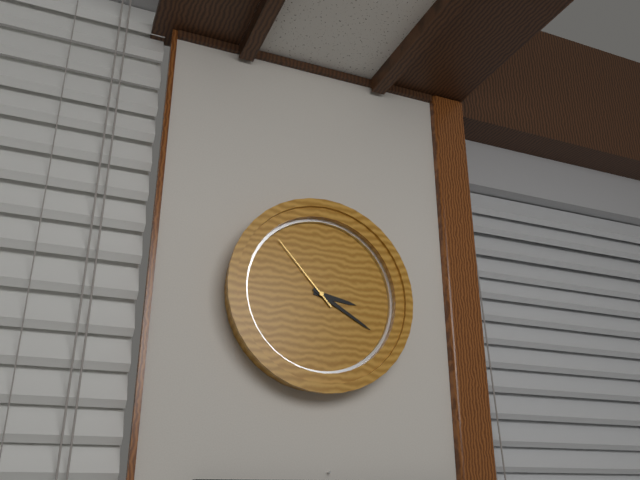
3:20:53
